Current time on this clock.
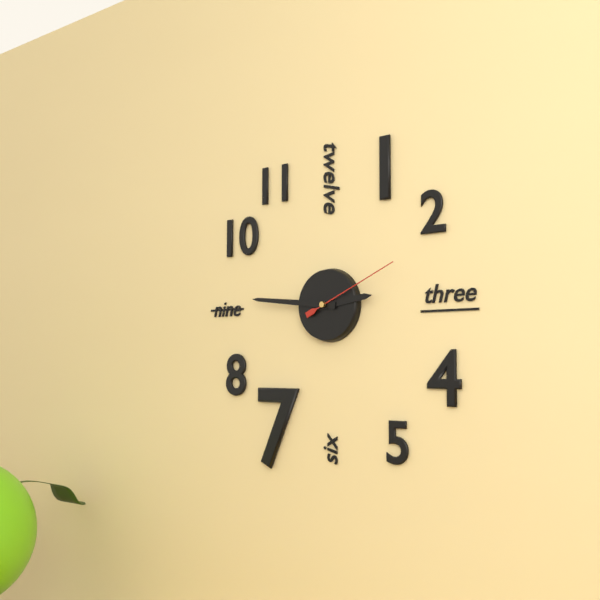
2:46:11
